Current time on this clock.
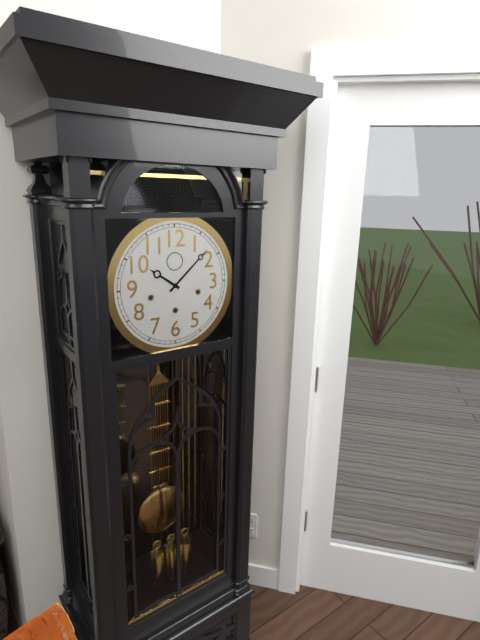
10:08
